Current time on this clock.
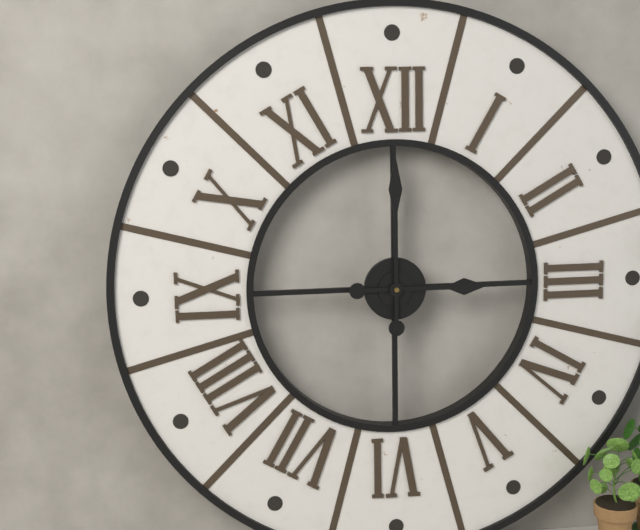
3:00
